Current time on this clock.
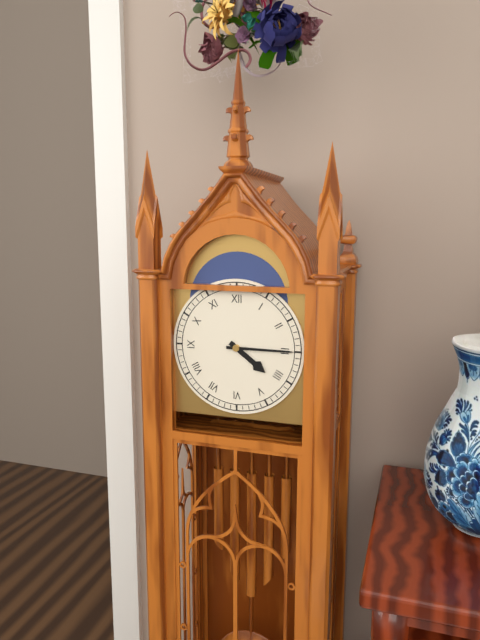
4:15
